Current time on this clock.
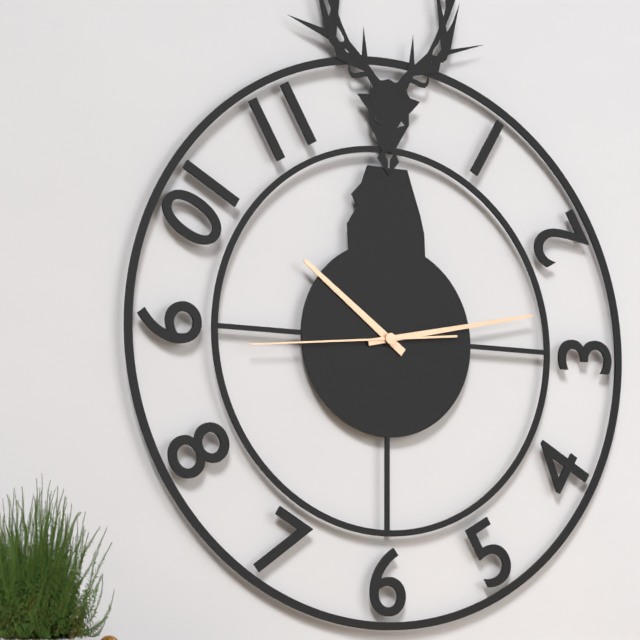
10:13:44
